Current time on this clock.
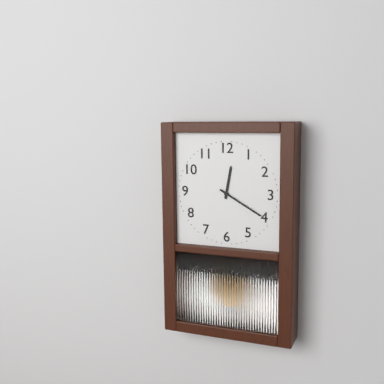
12:20
